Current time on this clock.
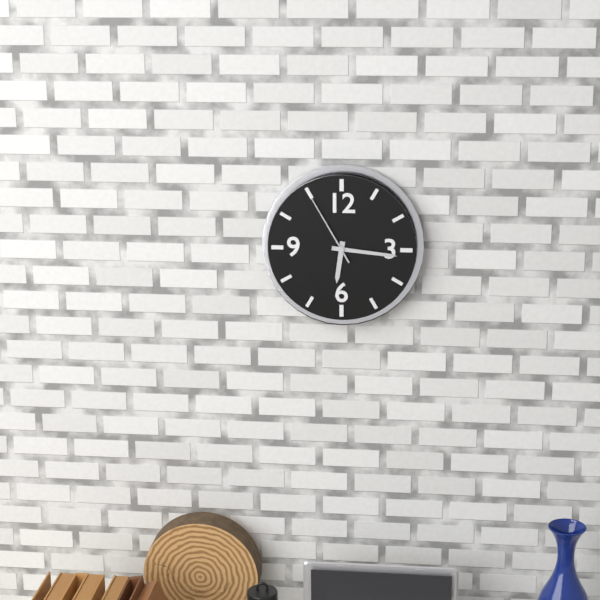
6:16:55
